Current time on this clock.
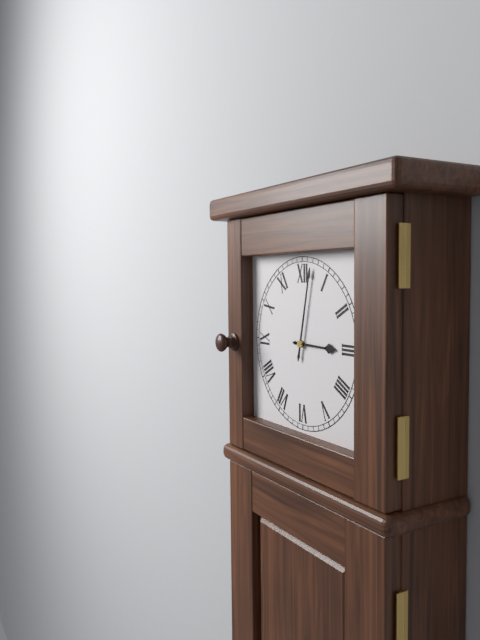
3:02
